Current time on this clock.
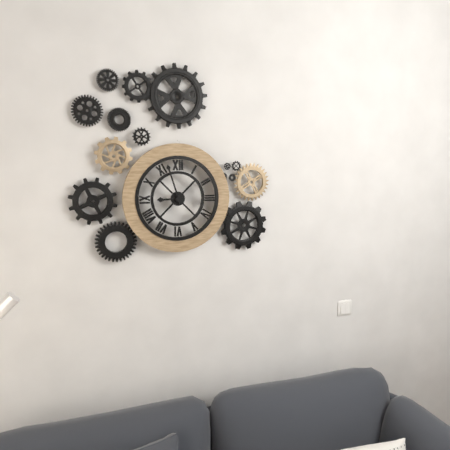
8:57
